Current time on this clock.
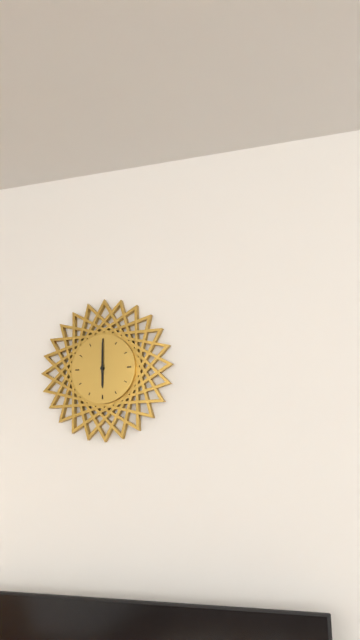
6:00
